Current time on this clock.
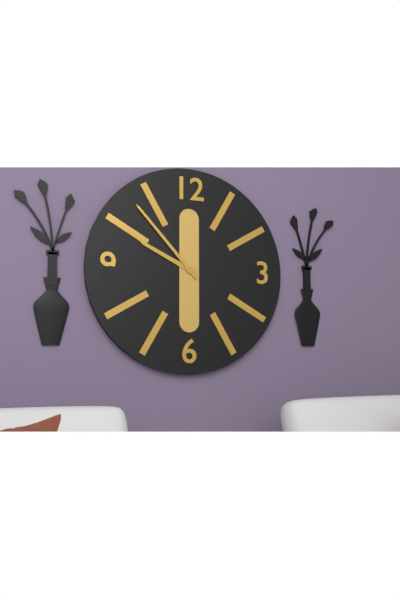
9:53
